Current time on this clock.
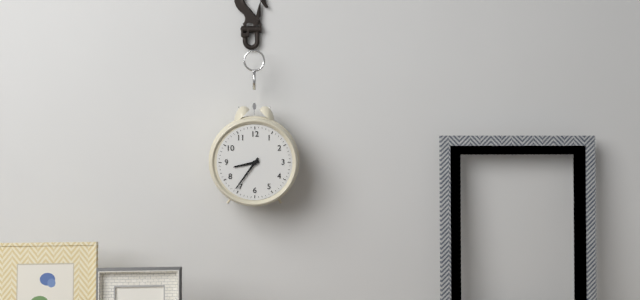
8:36
